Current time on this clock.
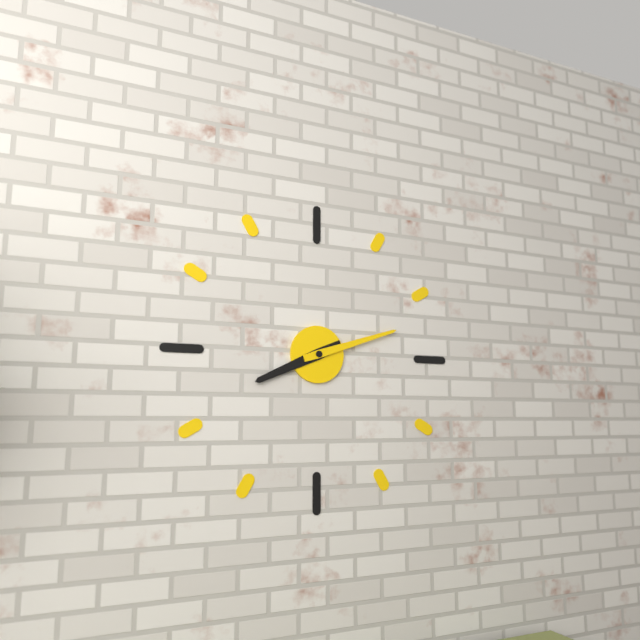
8:12
